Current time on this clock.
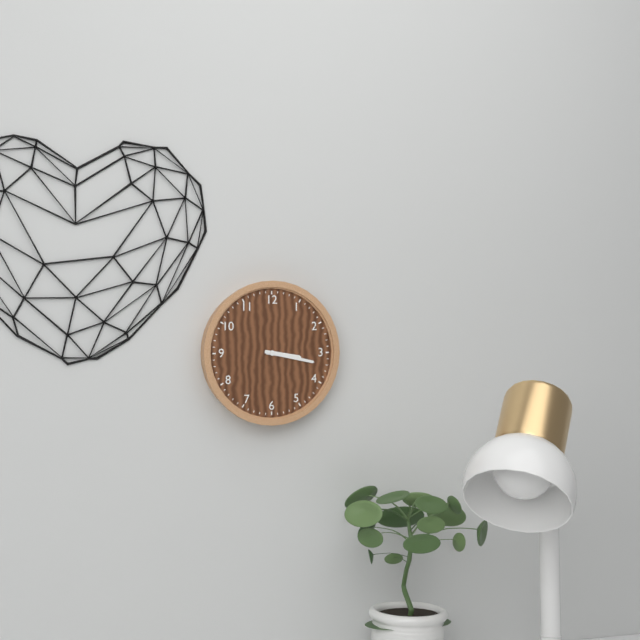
3:17
